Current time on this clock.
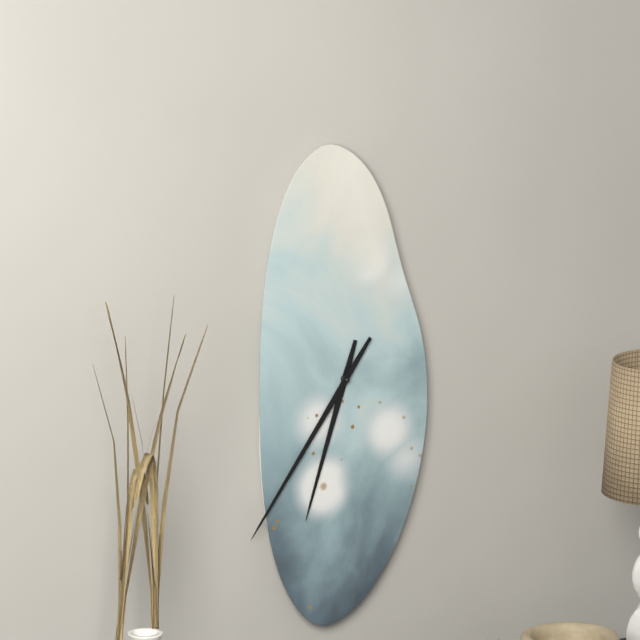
6:36
